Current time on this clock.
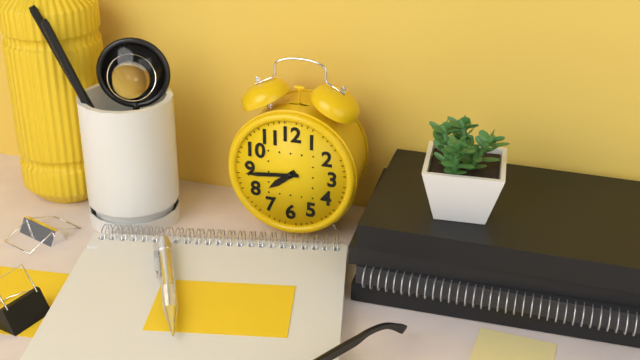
7:44
